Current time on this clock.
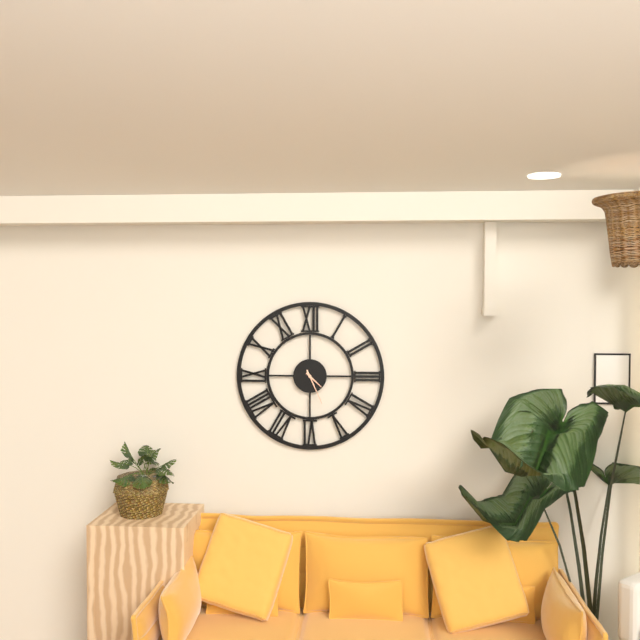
4:26
